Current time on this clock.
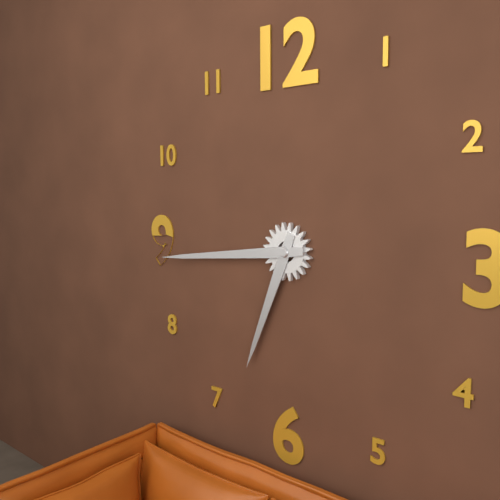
6:44
